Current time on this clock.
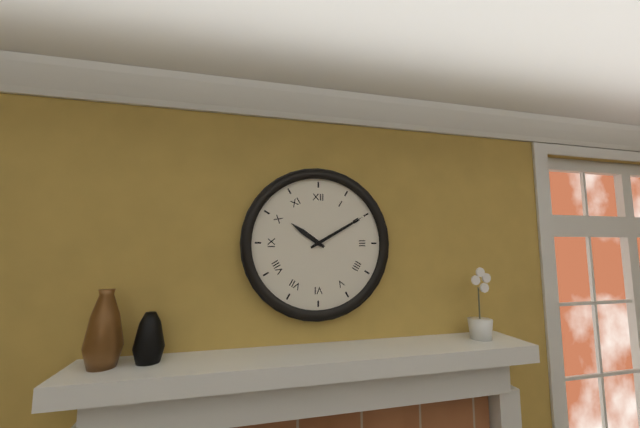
10:10
